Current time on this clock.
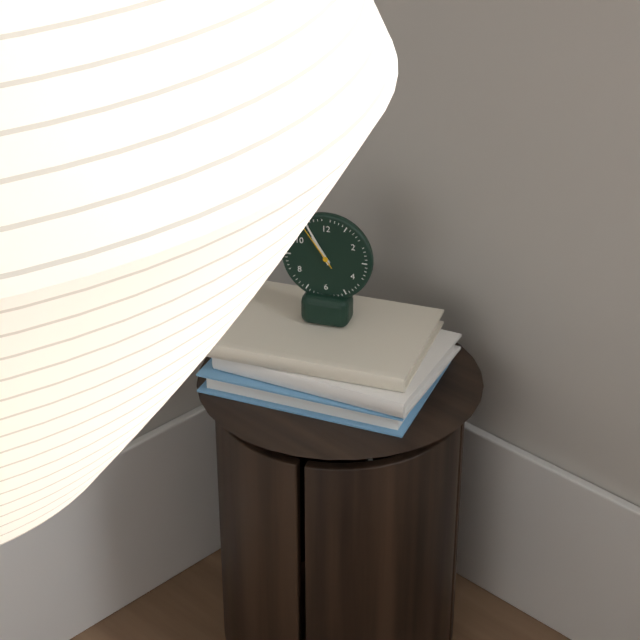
10:55:54
